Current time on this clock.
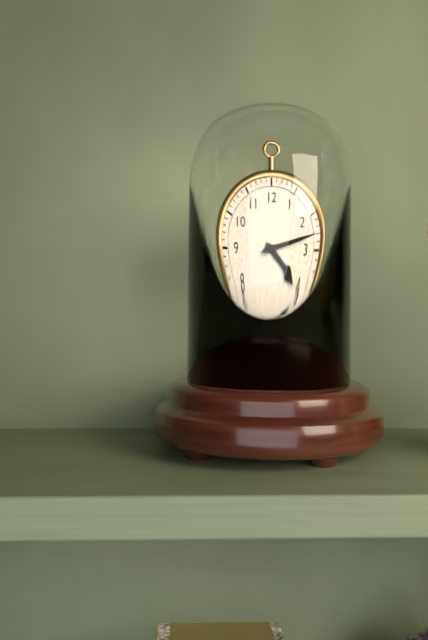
4:13
